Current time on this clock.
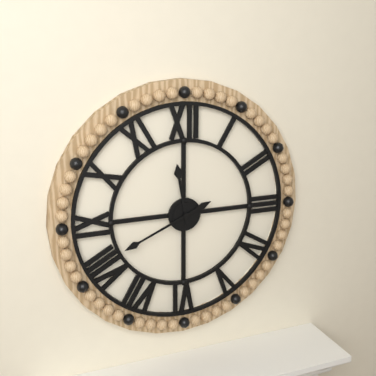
11:41
